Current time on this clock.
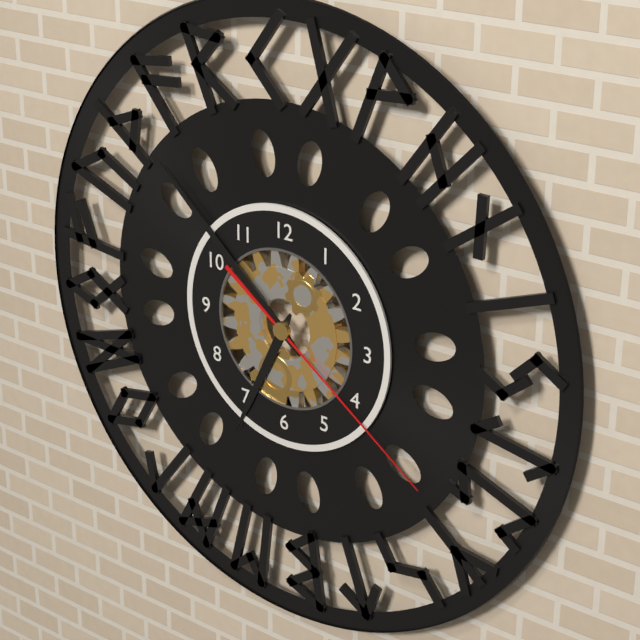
6:52:21
